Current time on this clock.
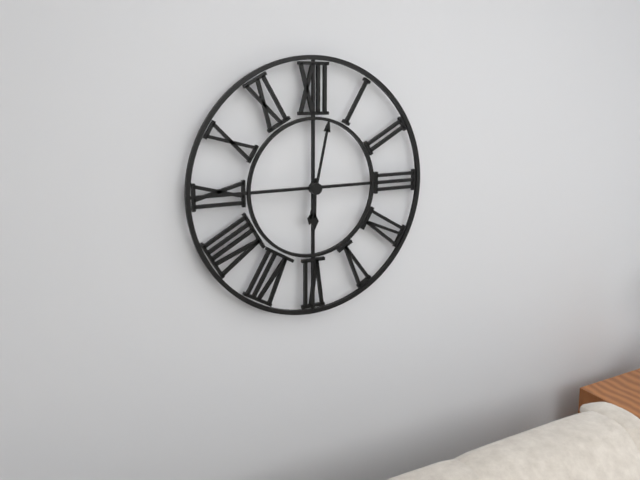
6:02
